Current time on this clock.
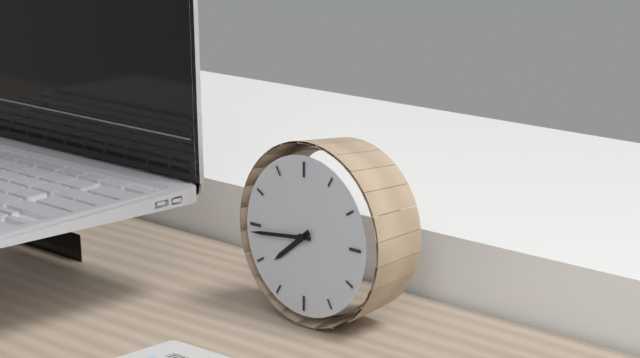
7:44
